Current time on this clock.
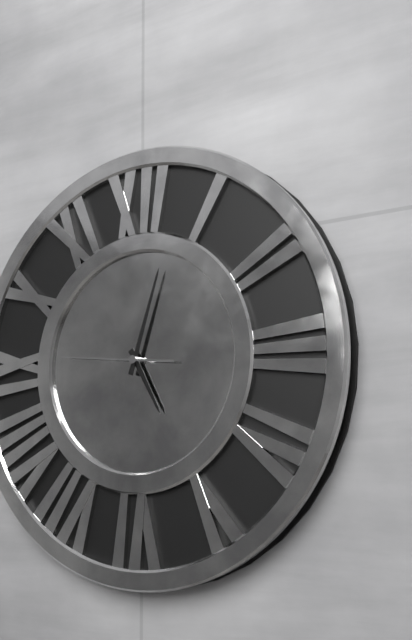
5:03:46
